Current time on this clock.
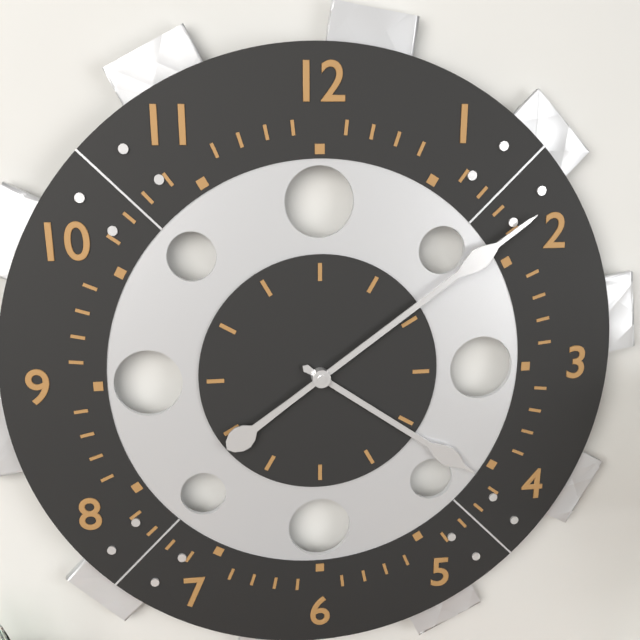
4:09
